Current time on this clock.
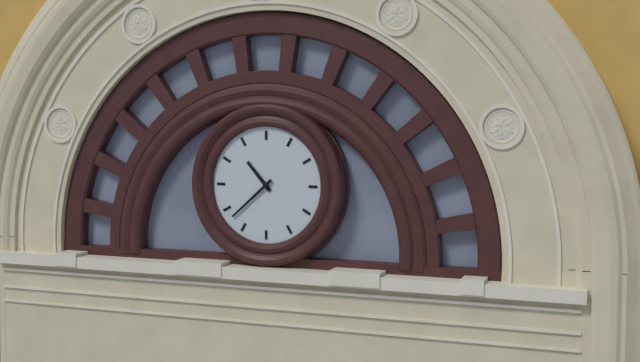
10:38
